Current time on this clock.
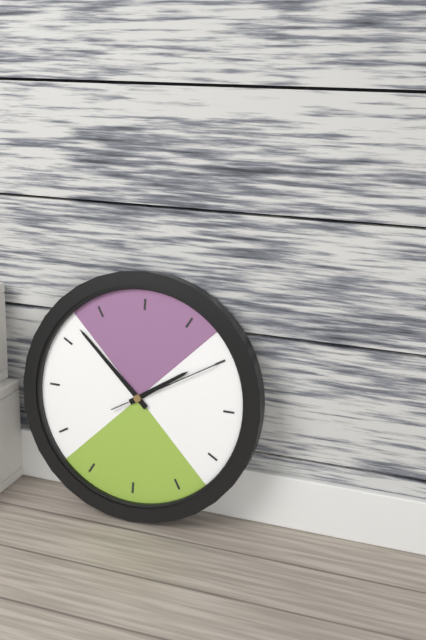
1:52:10
